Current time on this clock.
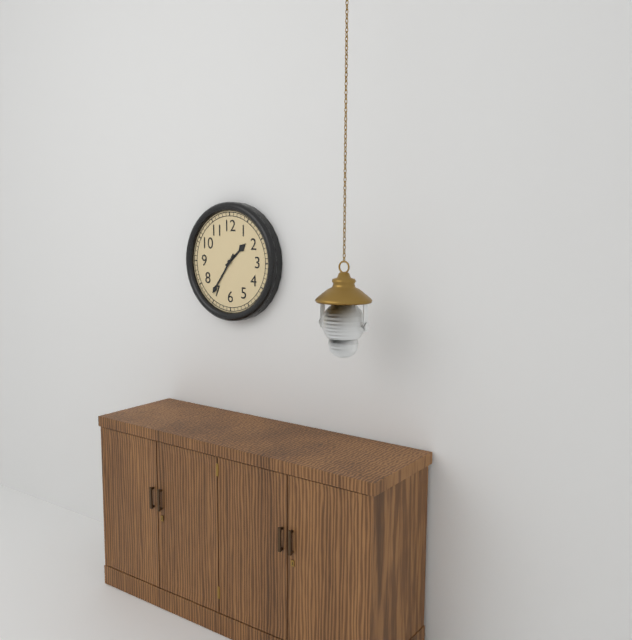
1:36
